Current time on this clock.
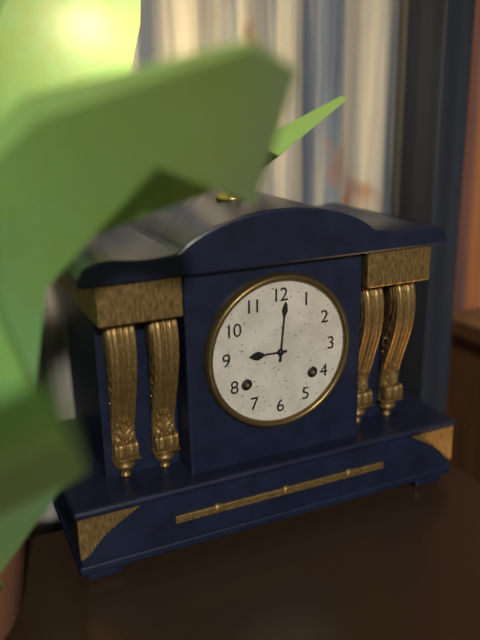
9:01
